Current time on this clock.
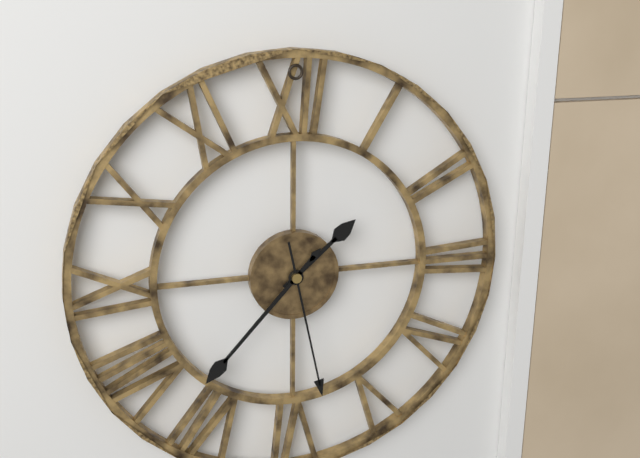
1:37:28
